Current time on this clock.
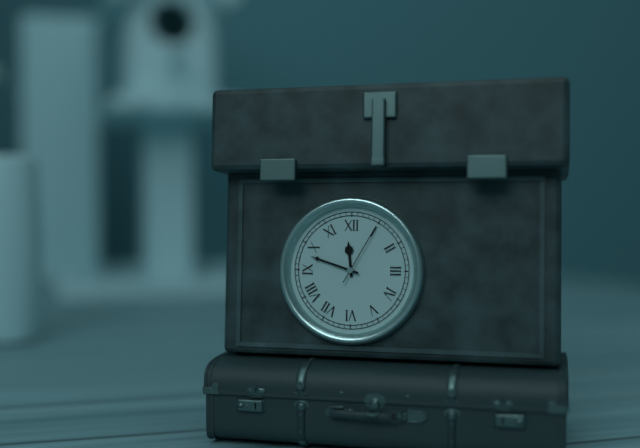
11:48:05
